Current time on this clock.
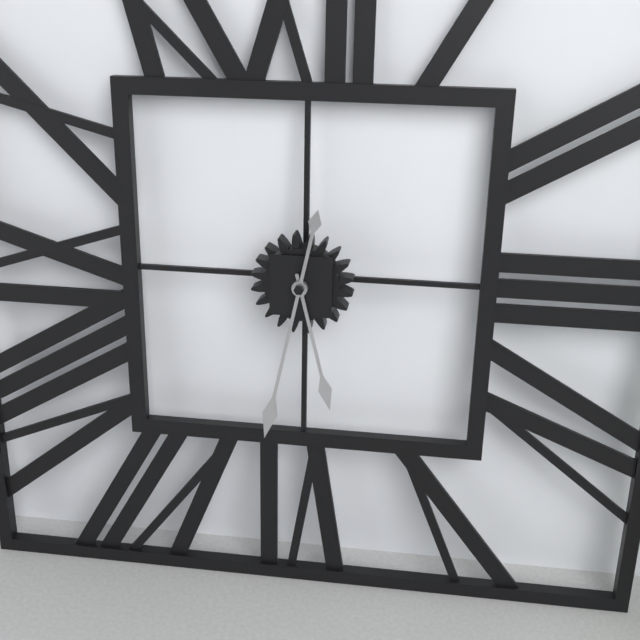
5:32
